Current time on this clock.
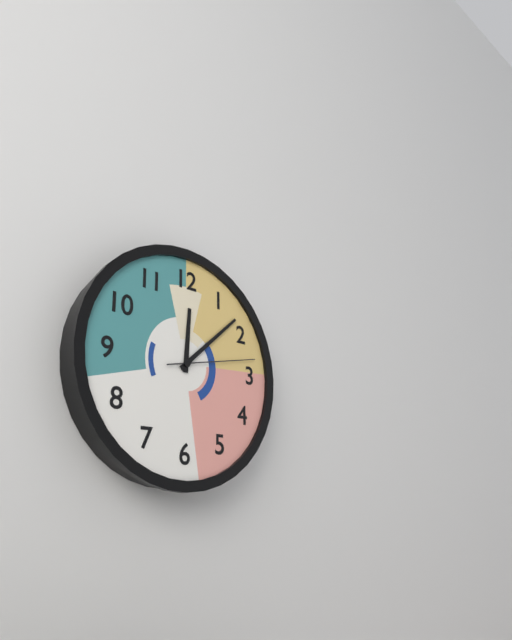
12:08:13
